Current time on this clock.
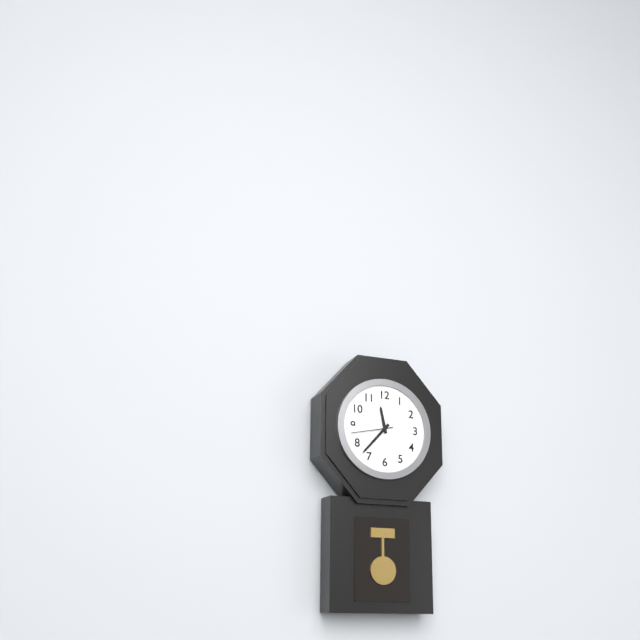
11:37
